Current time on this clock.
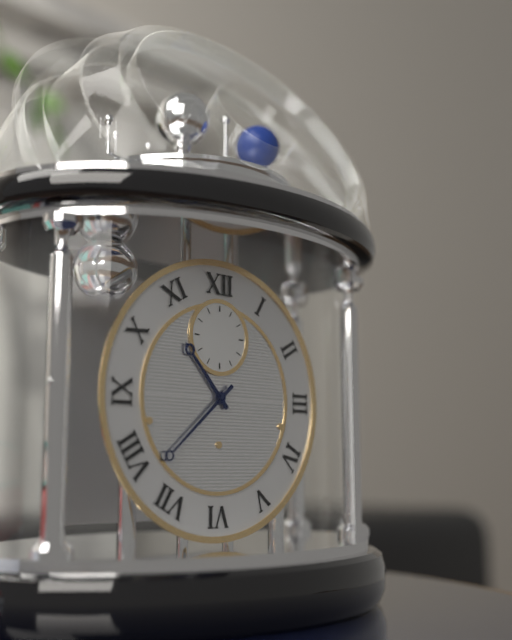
10:38
